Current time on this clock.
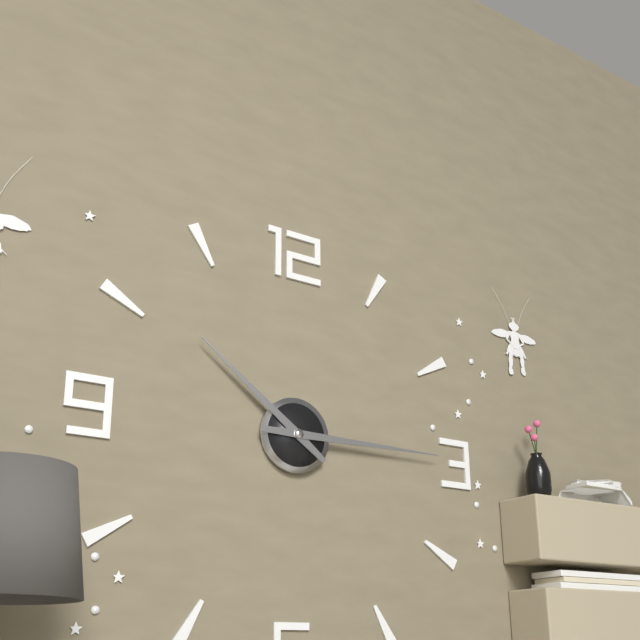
10:15
